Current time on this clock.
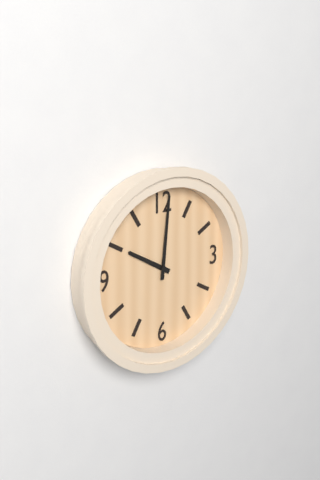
10:01
